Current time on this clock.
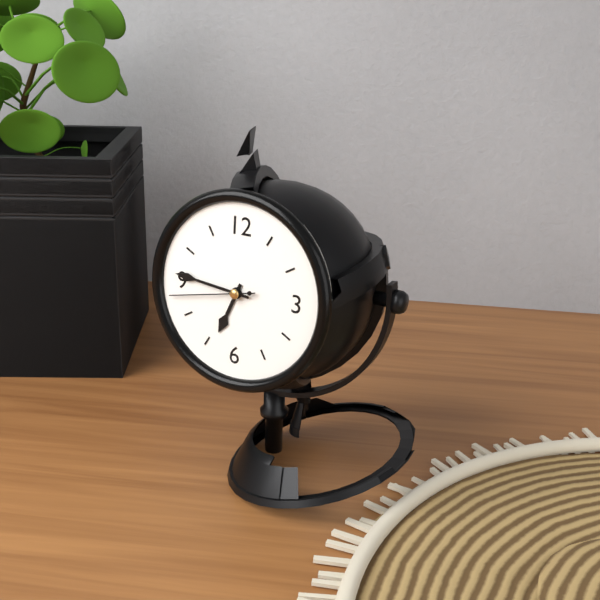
6:46:43
